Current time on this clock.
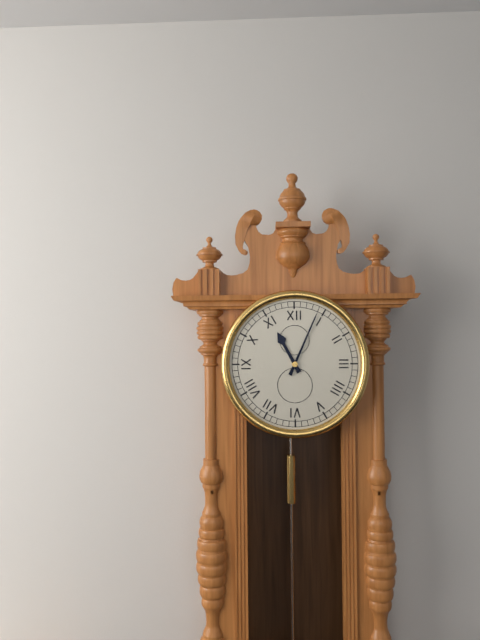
11:04
